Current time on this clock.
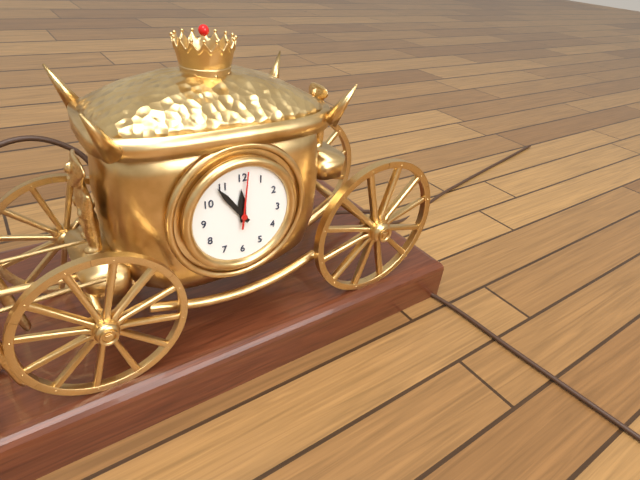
11:54:01
